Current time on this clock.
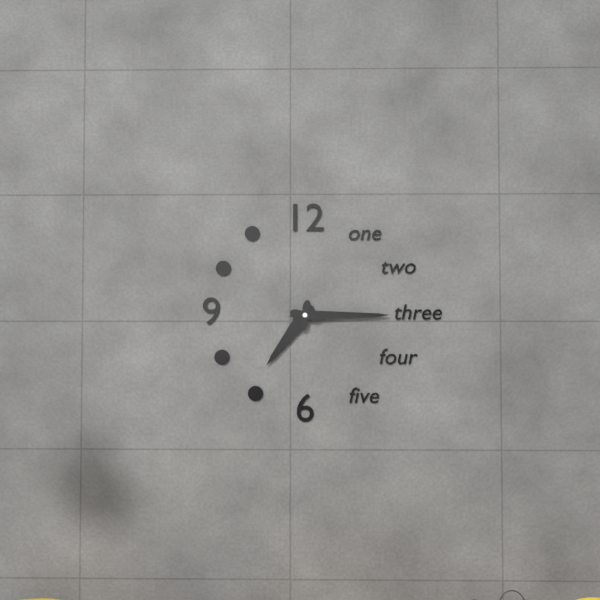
7:15
